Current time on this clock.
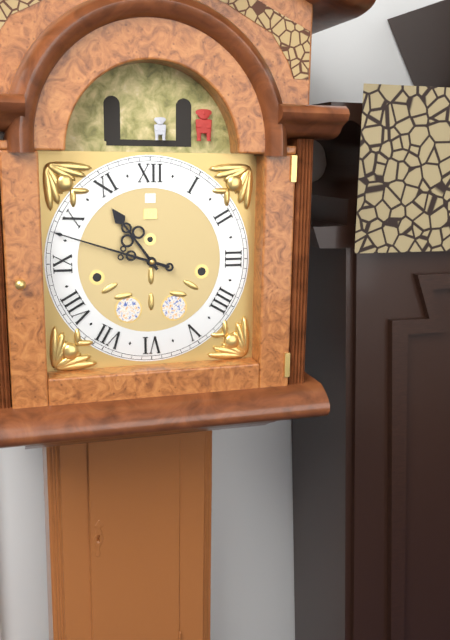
10:48
